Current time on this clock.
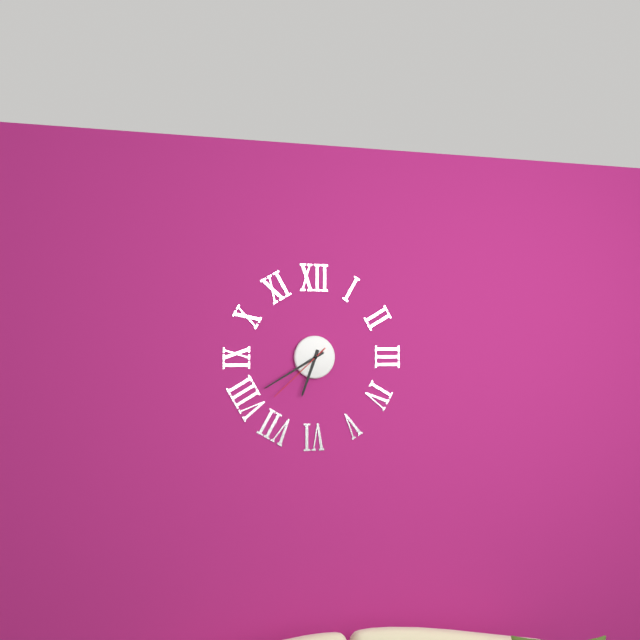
6:40:38
